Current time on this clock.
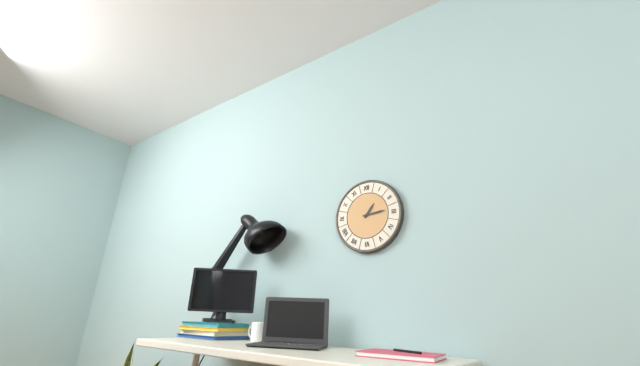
1:14
